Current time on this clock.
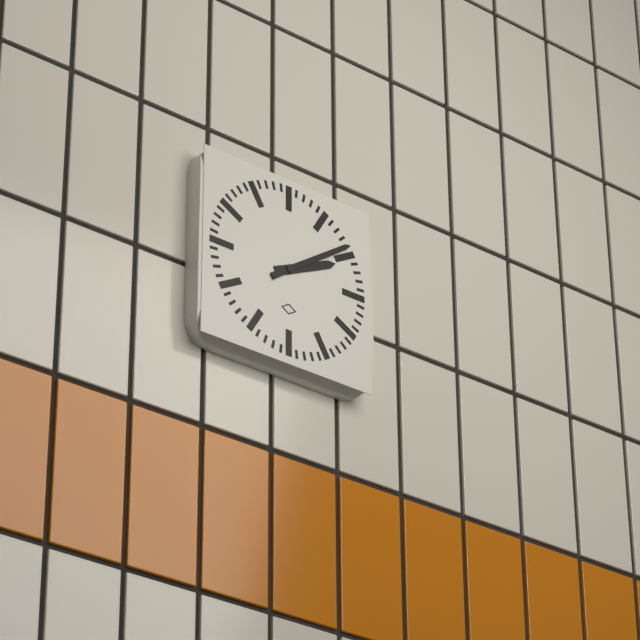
2:09
